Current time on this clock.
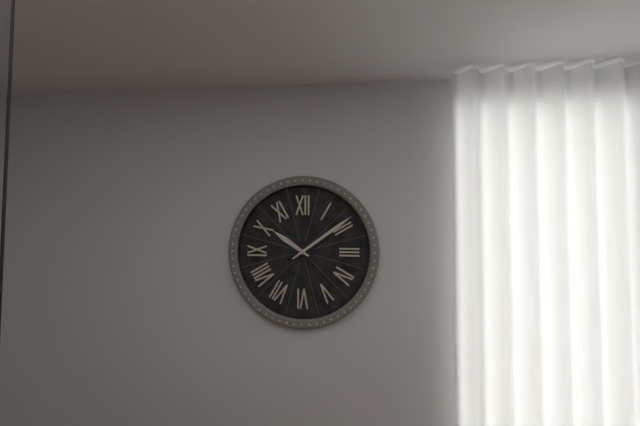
10:09
